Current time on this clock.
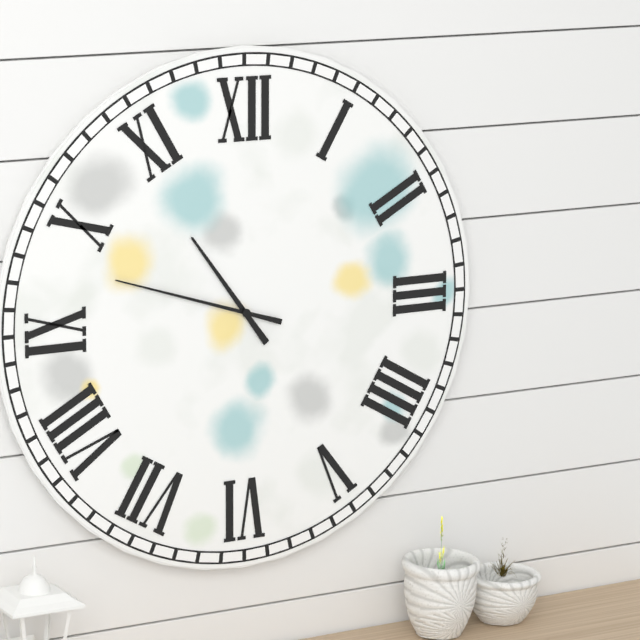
10:48
